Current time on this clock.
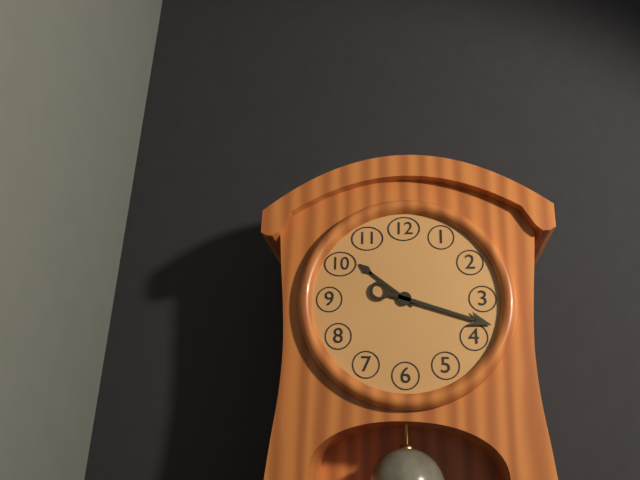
10:18
